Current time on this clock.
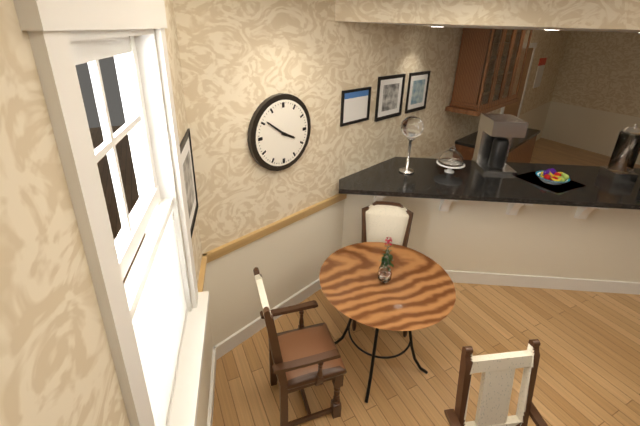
3:51
